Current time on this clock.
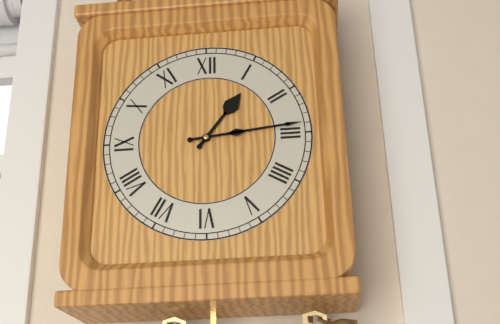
1:14
